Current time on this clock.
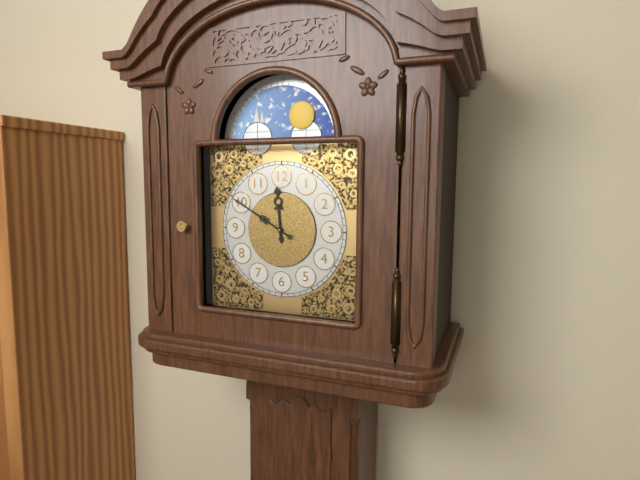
11:50
